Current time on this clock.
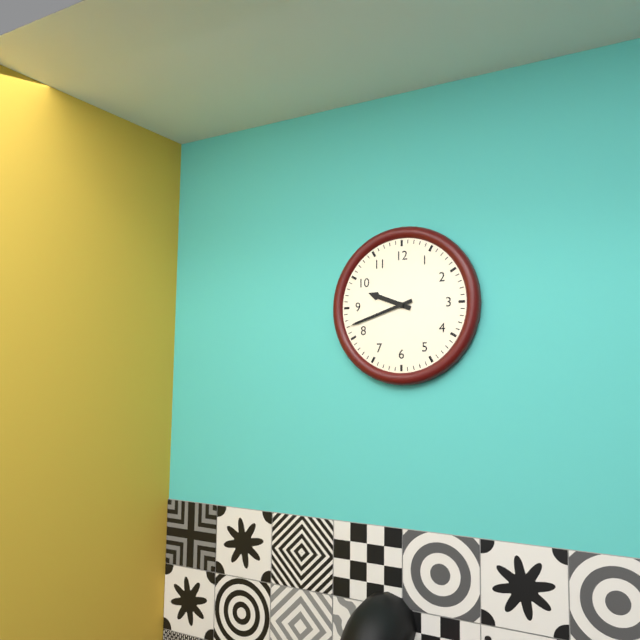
9:42
